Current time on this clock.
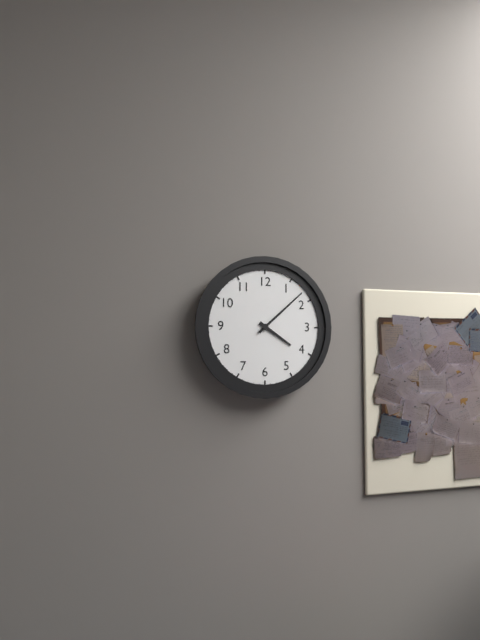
4:08
